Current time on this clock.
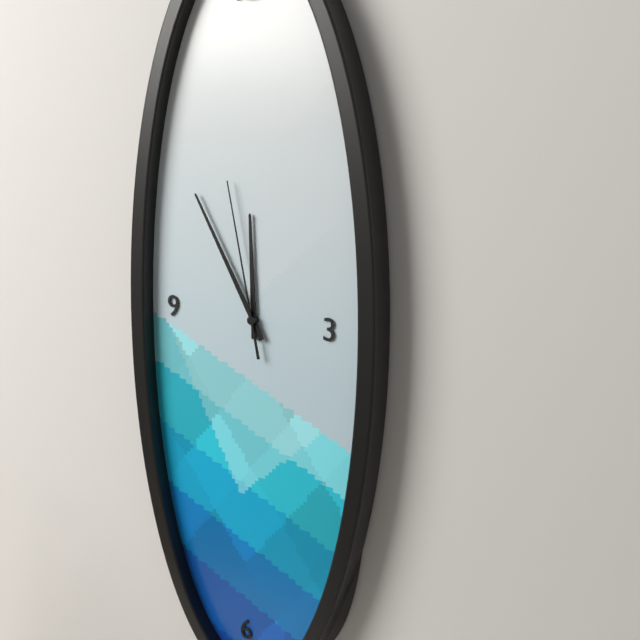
11:55:58
